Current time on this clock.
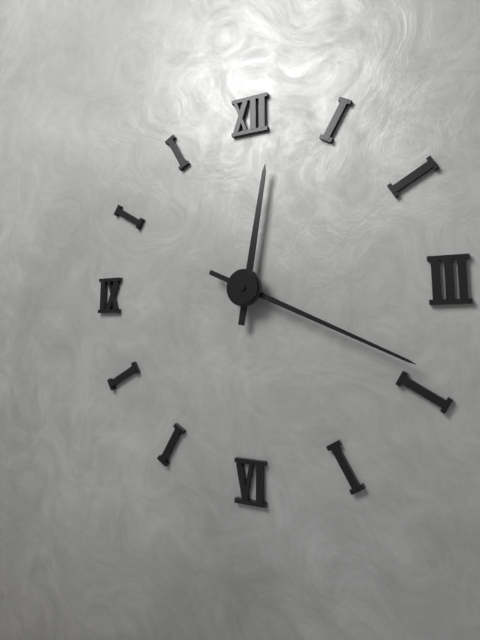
12:19
